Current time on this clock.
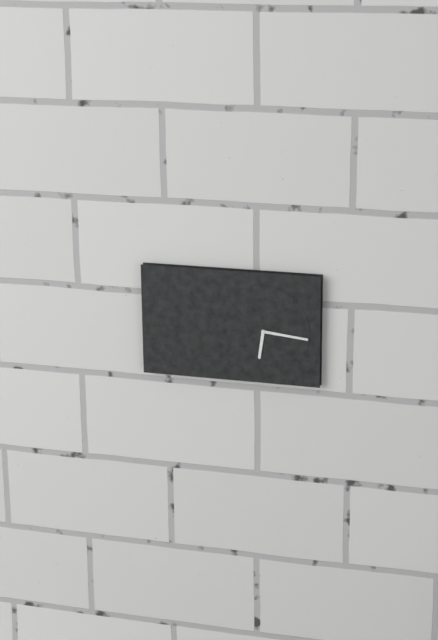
6:16
